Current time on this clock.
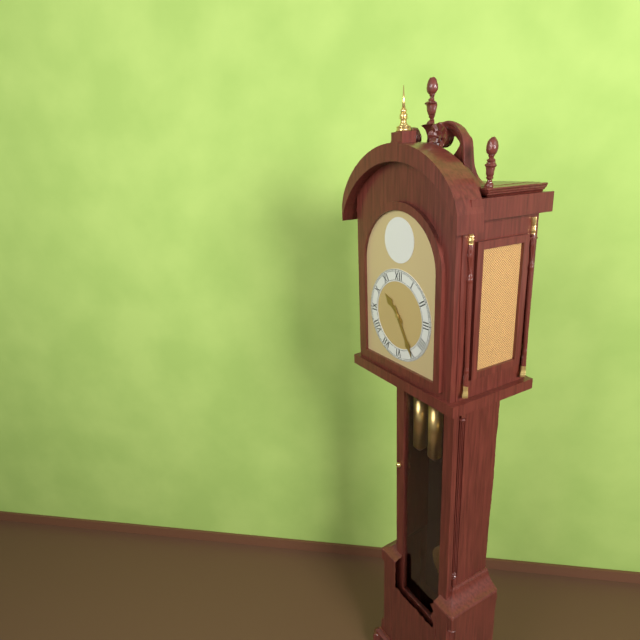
10:25
